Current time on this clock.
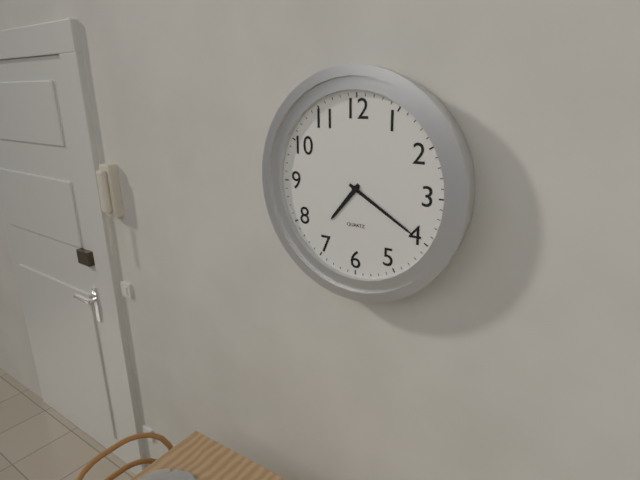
7:20
